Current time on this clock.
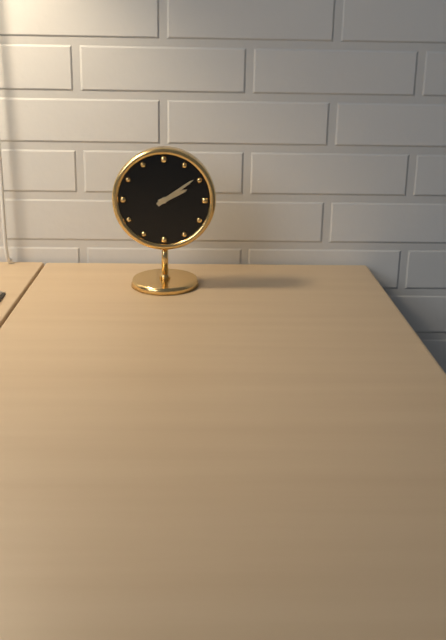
2:09
